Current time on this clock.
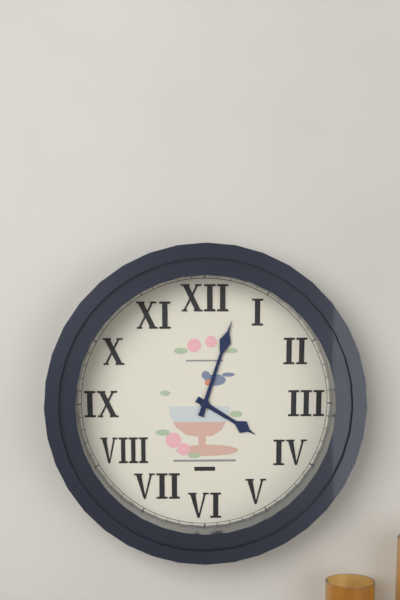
4:03
